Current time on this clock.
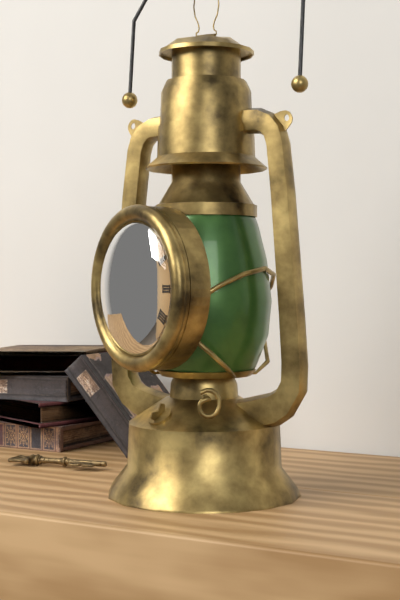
7:53
